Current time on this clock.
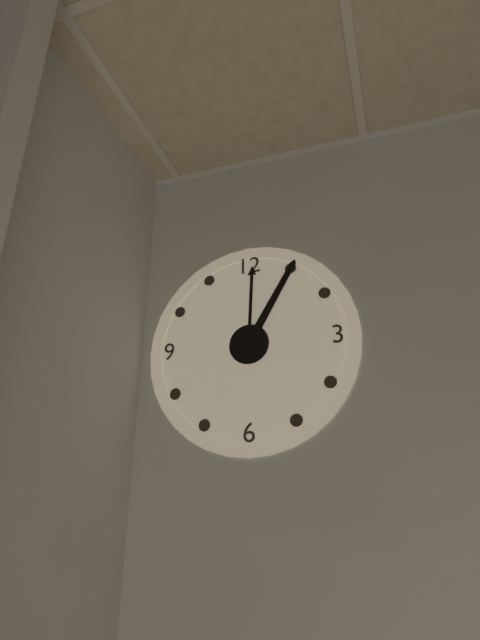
12:05
